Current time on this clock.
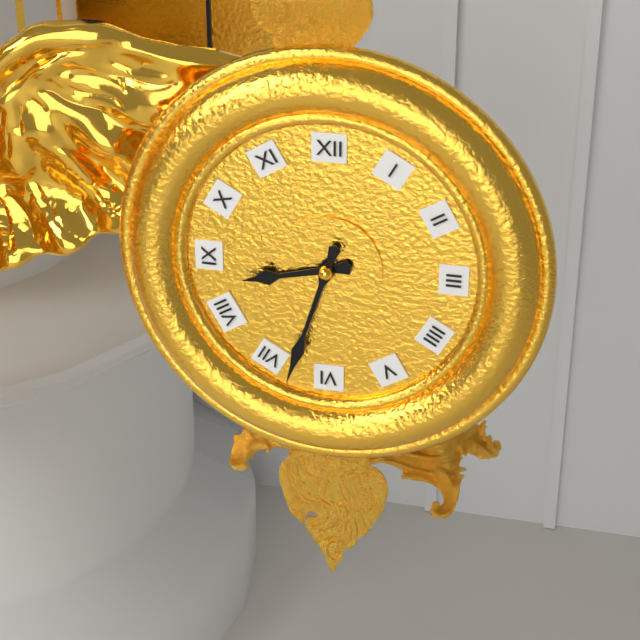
8:33
